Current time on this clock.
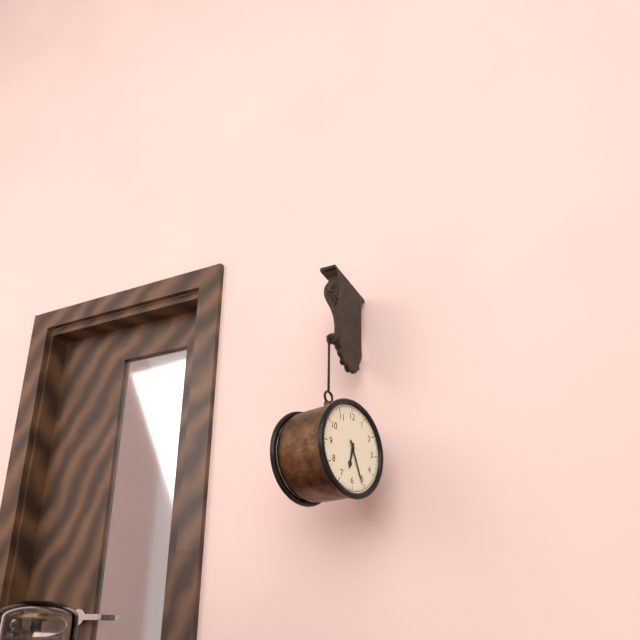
6:26
